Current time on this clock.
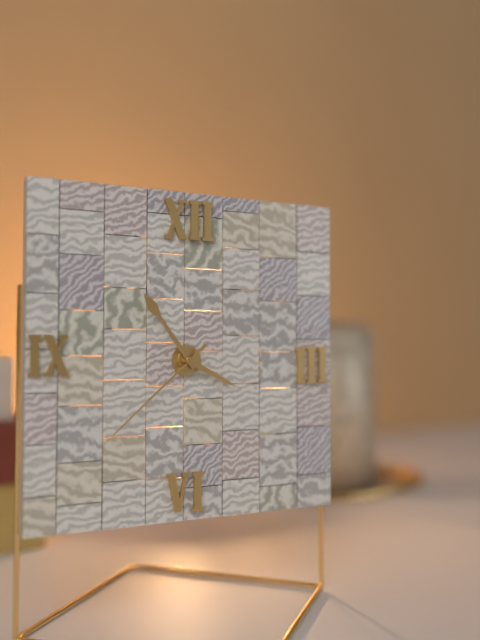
3:54:38
